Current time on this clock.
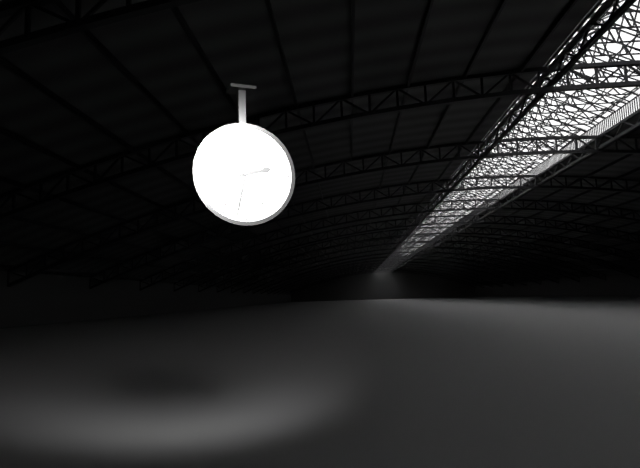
2:32
